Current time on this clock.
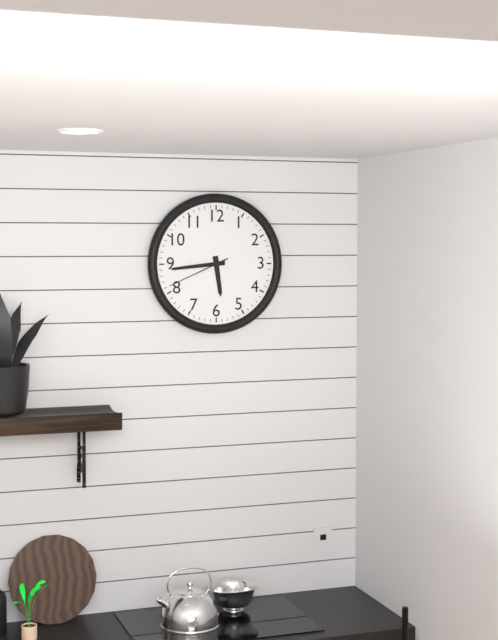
5:44:41
